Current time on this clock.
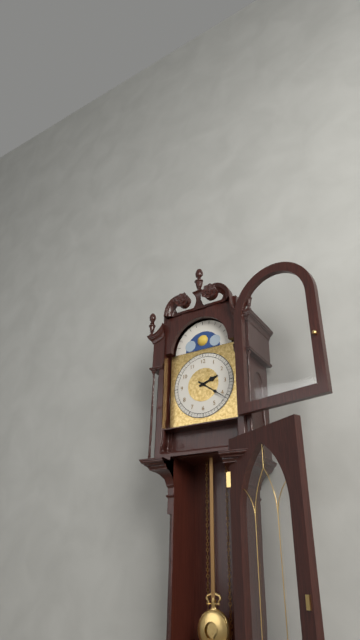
2:21
